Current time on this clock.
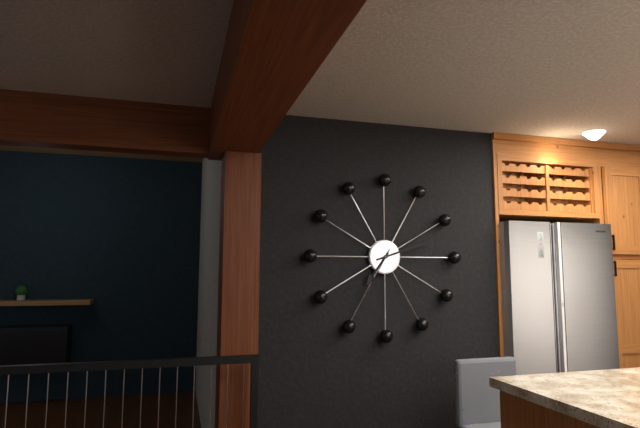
7:12:35
